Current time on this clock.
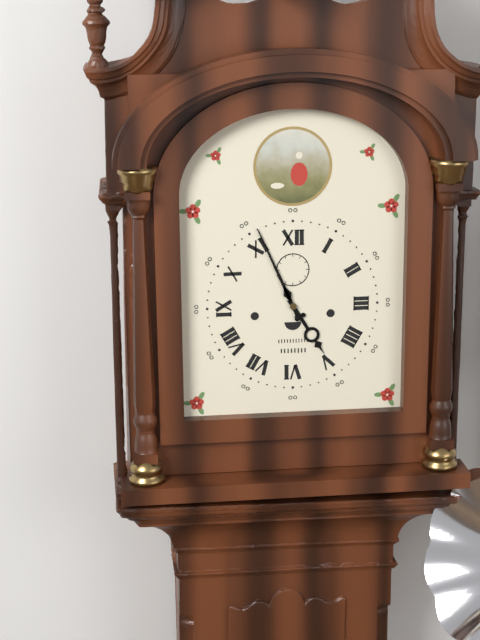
4:56
